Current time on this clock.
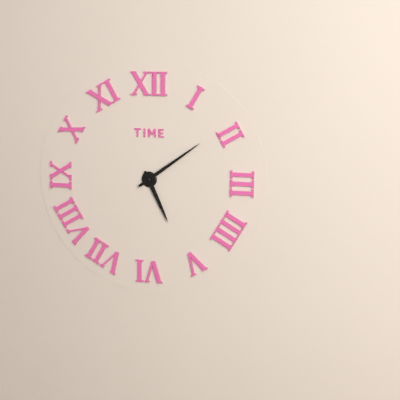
5:09
